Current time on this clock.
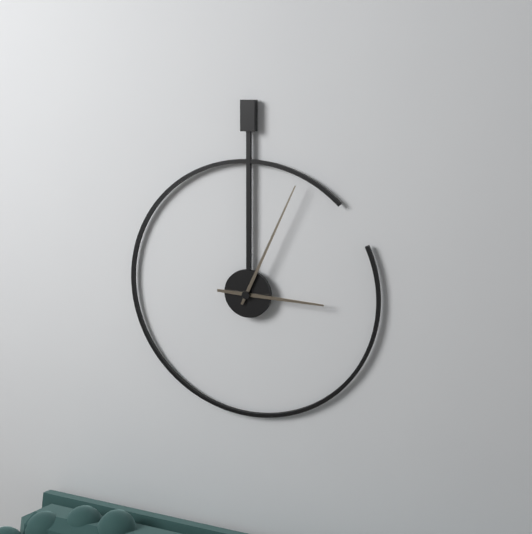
3:04
